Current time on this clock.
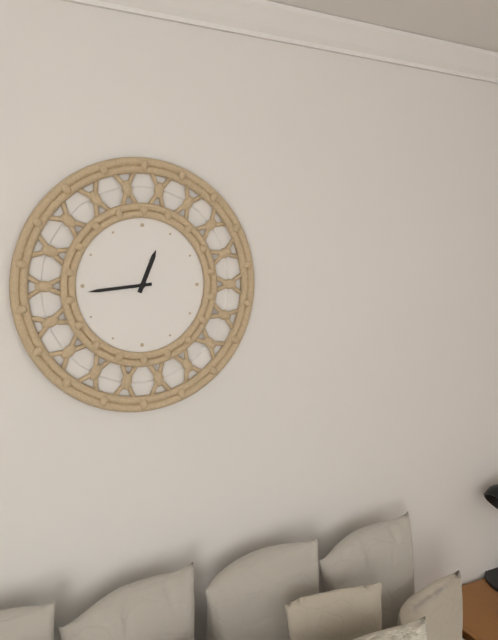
12:44
